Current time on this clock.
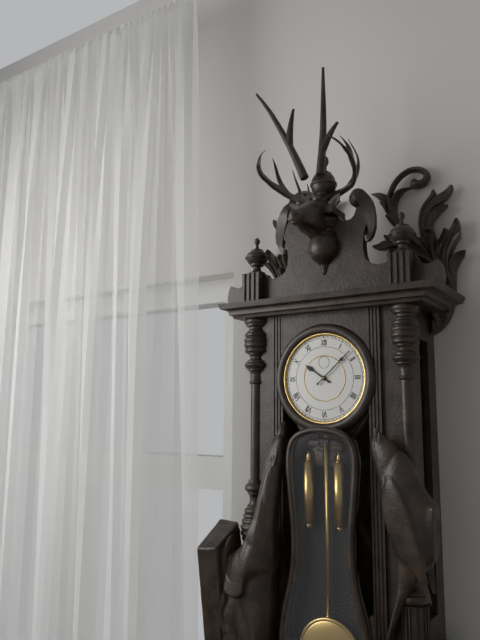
10:08
